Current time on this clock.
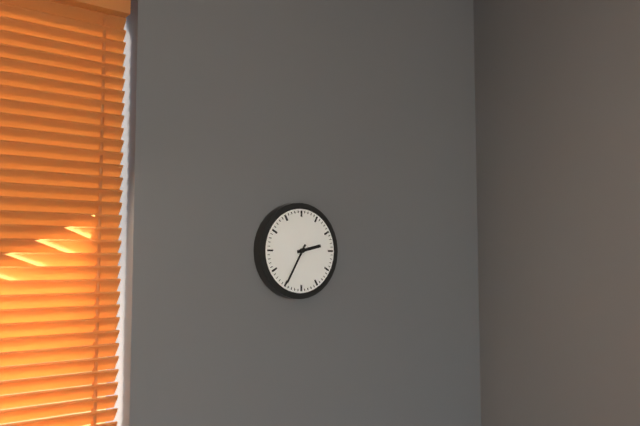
2:35
